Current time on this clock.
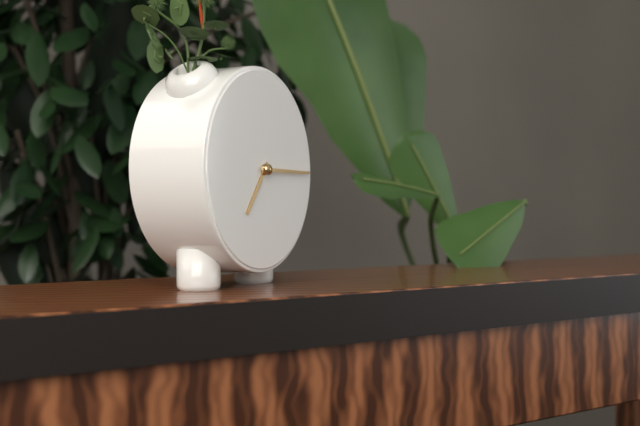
7:15
